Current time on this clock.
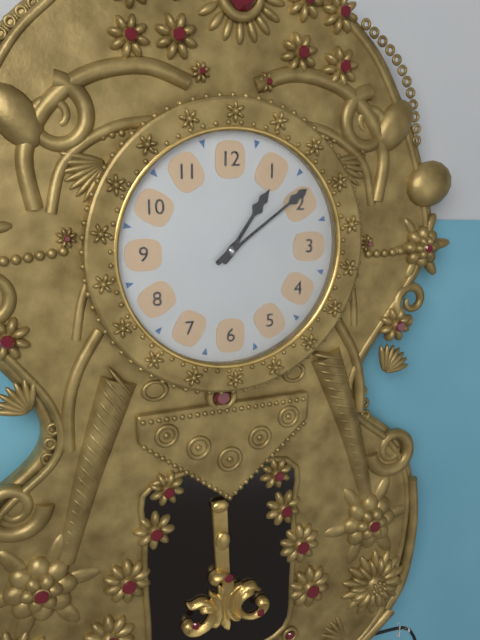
1:09
